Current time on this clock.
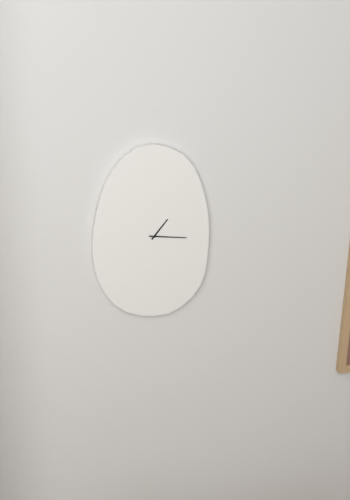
1:16
